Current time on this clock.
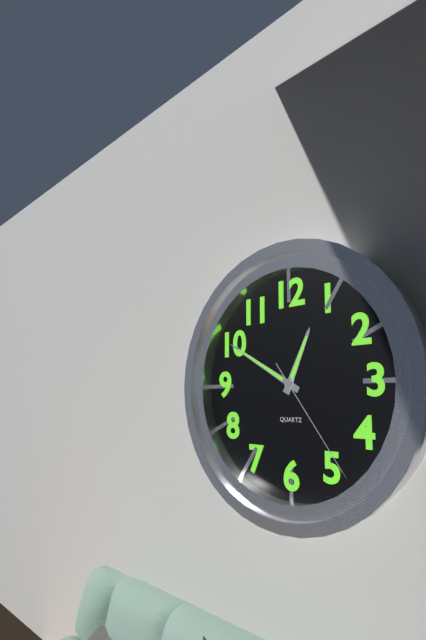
12:50:24
